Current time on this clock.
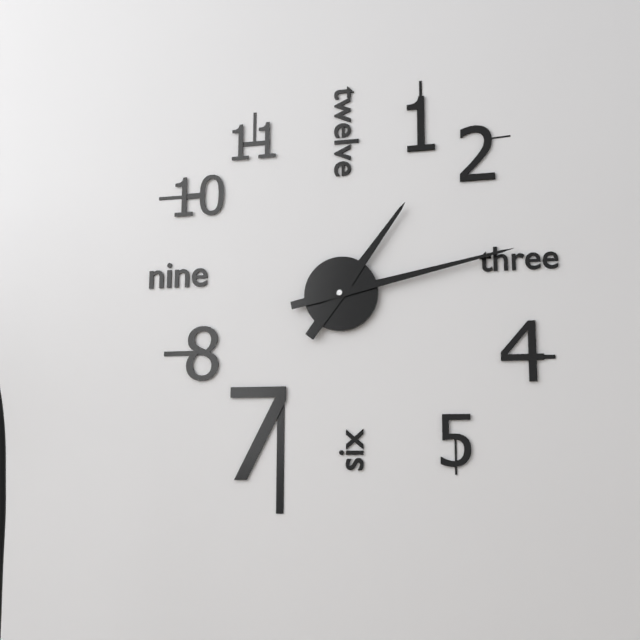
1:13
